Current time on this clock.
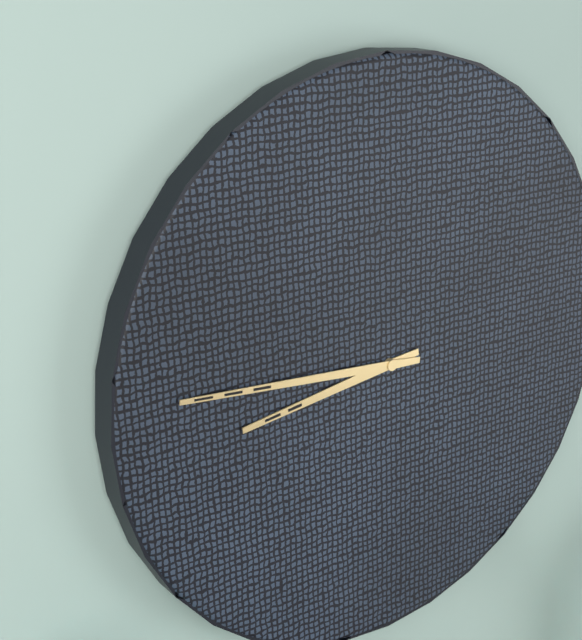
8:46
